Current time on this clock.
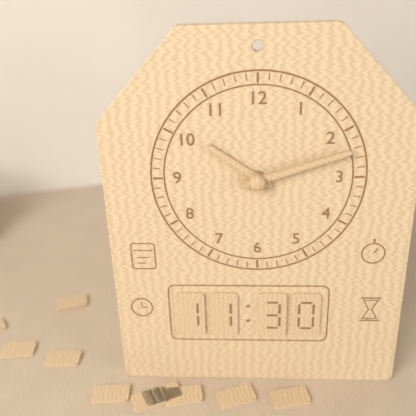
10:12
